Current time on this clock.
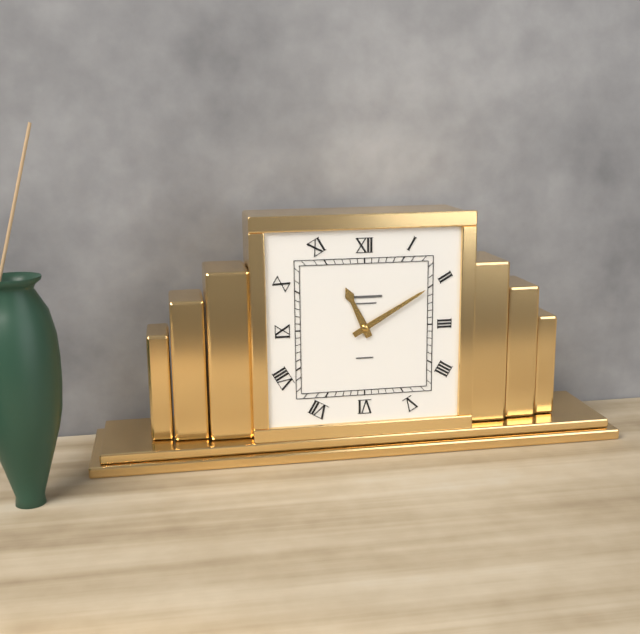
11:10
